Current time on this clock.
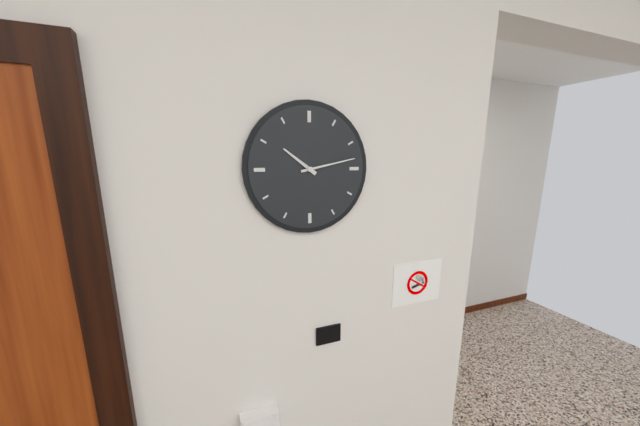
10:13
